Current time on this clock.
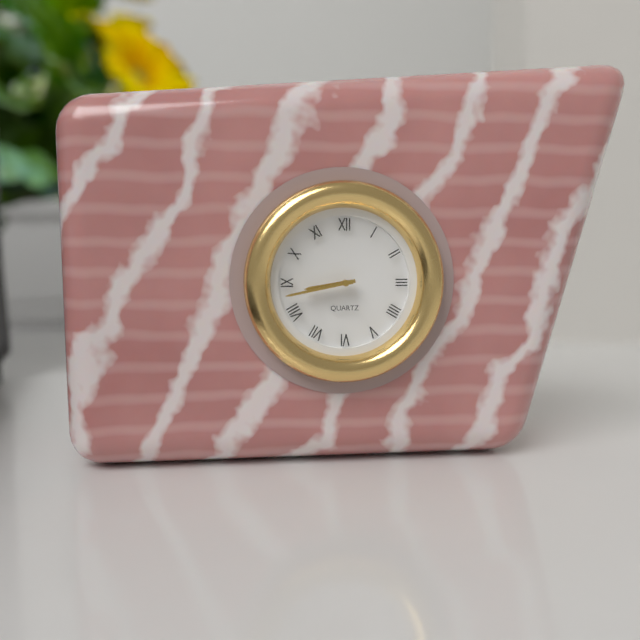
8:43
